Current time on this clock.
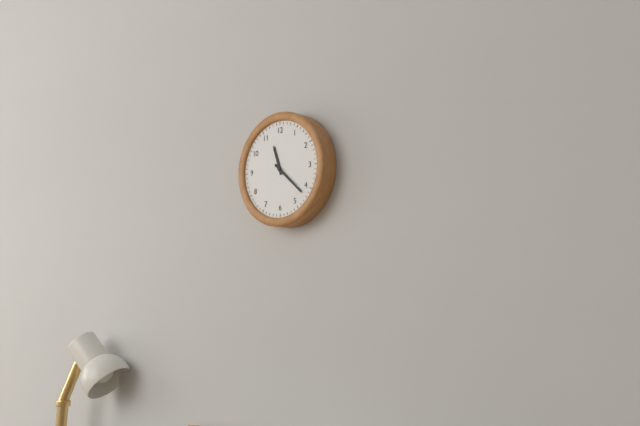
11:22
